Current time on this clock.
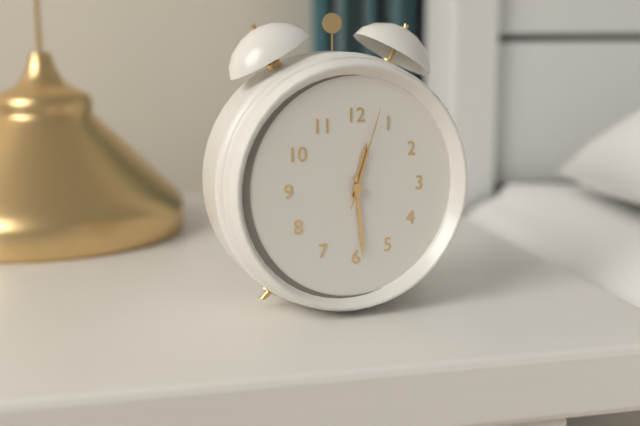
12:29:03
